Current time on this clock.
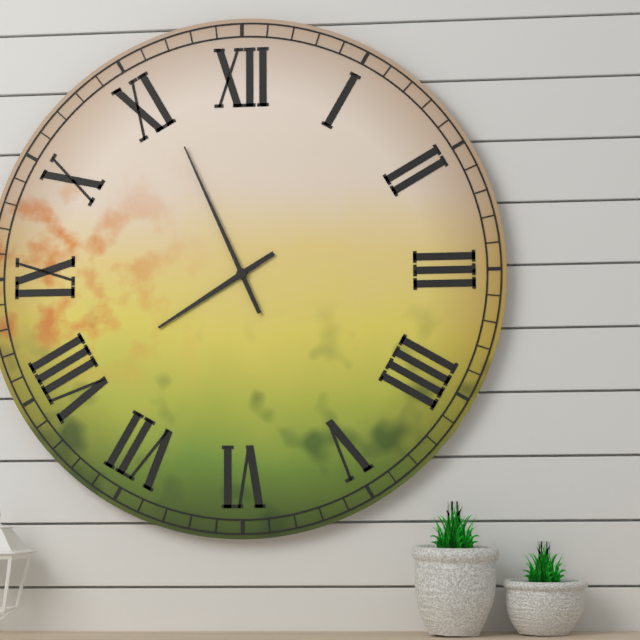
7:56
